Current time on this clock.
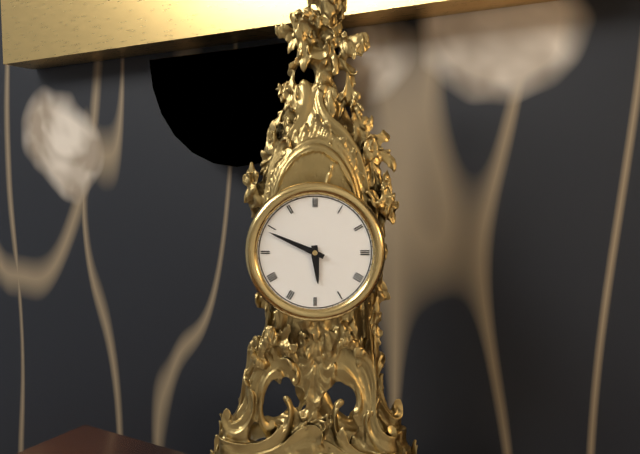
5:49
